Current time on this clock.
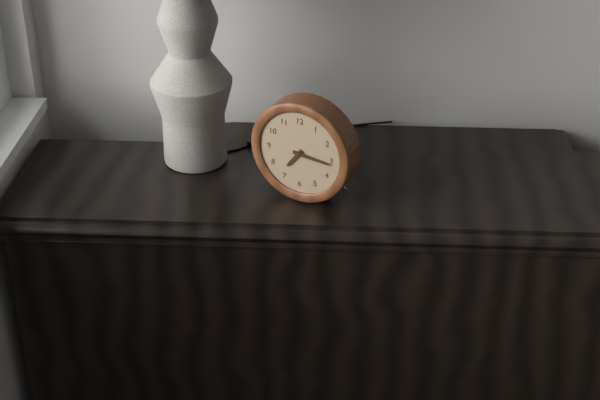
7:16
